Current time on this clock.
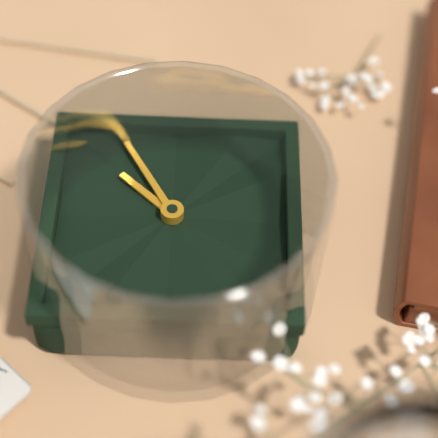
4:25
